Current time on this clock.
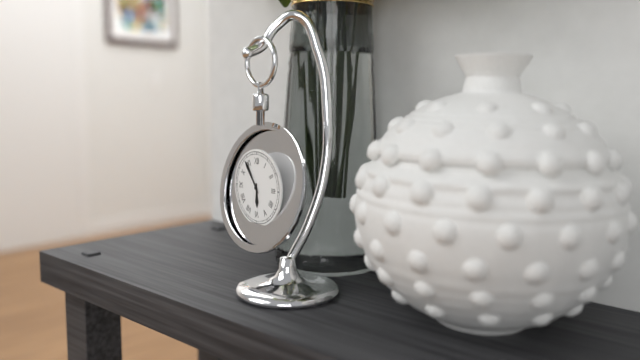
5:54
